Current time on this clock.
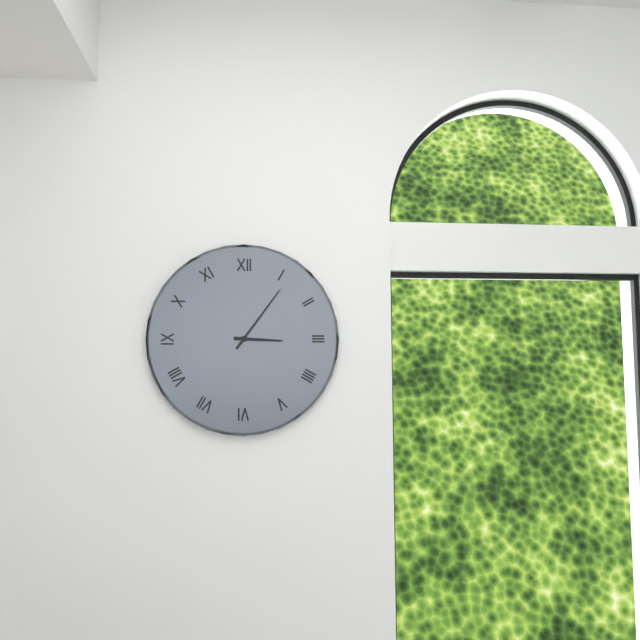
3:06
